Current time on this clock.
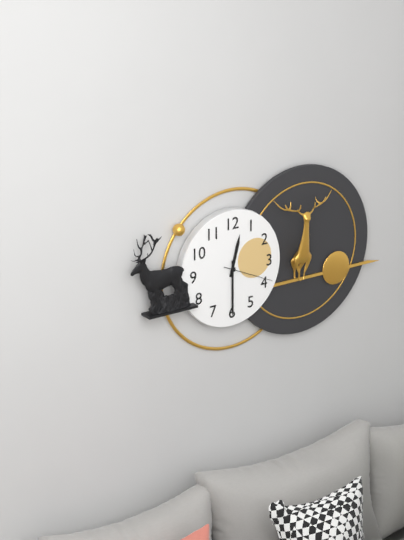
12:30:19
